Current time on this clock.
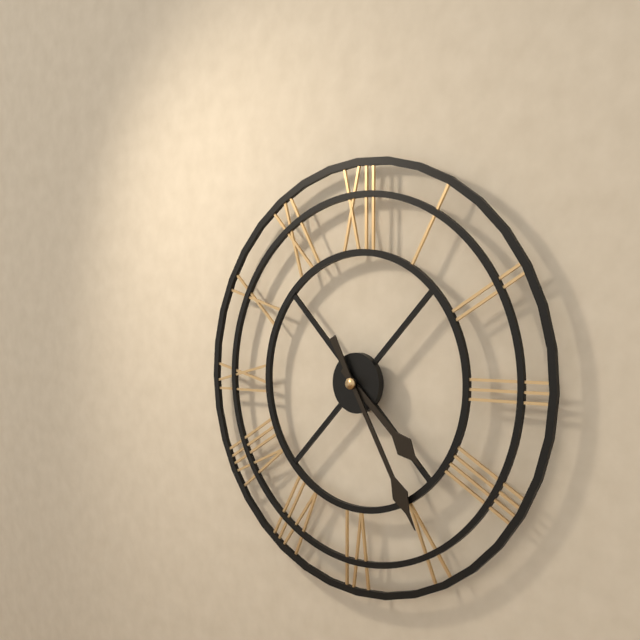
4:25
